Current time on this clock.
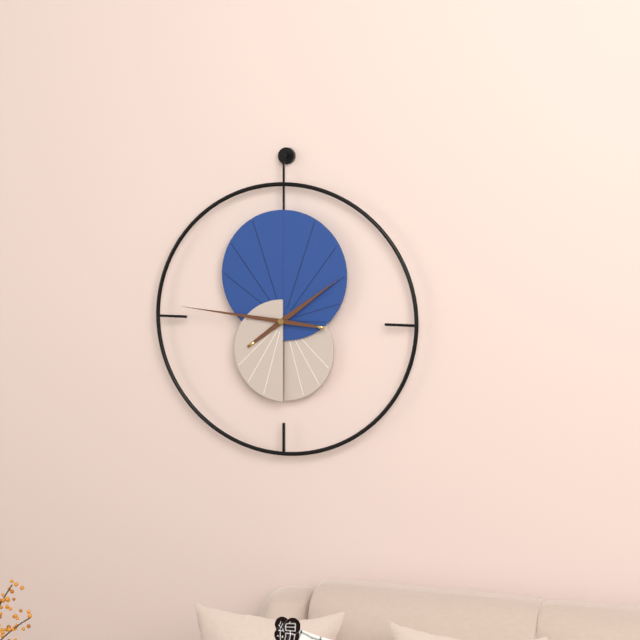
1:46
